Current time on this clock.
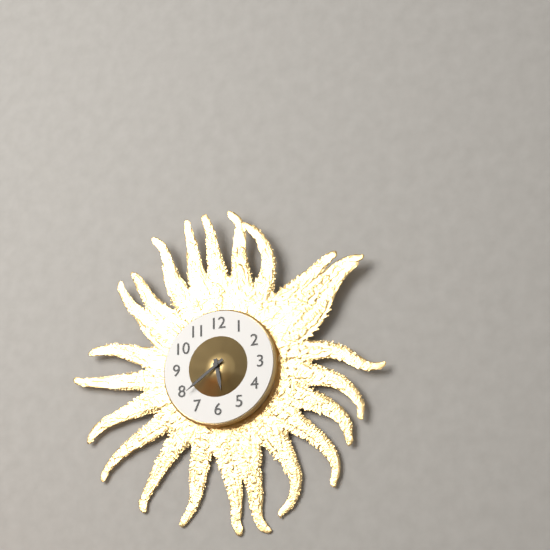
5:39
